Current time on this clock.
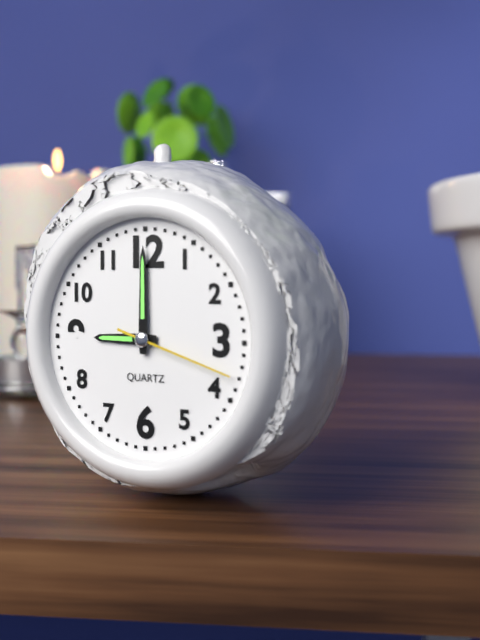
9:00:18
